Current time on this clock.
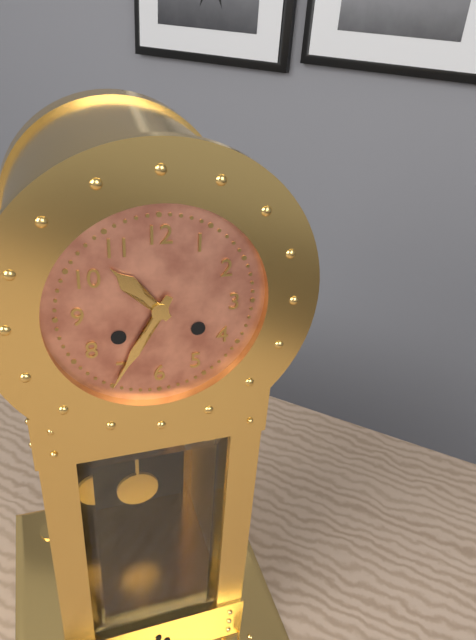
10:35
